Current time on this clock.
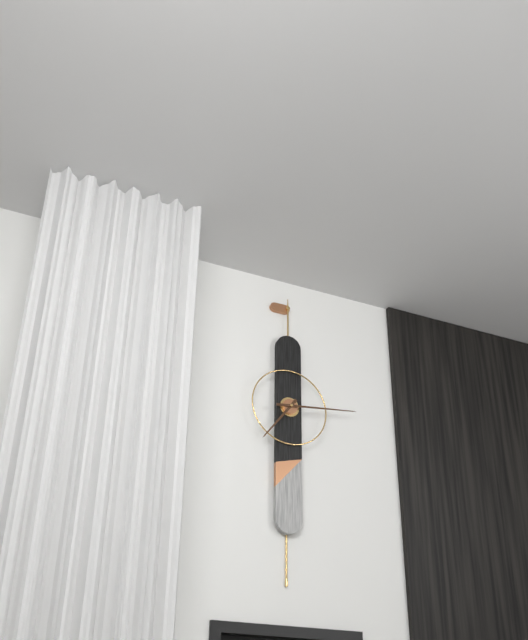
7:14
